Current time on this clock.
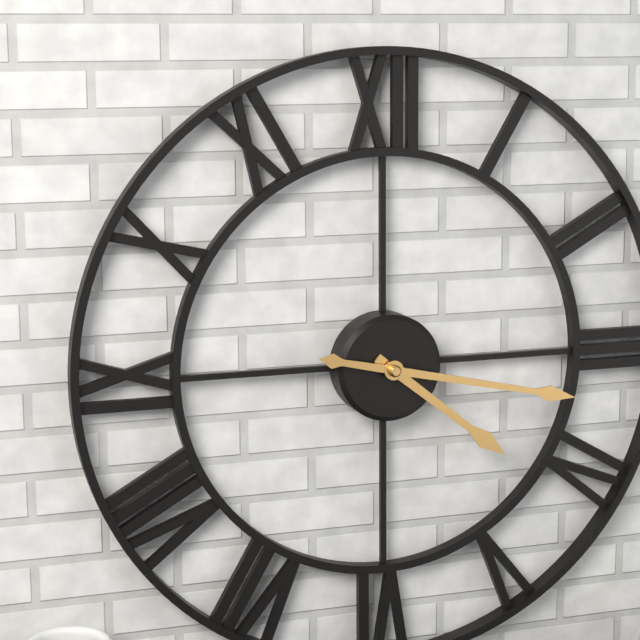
4:17
